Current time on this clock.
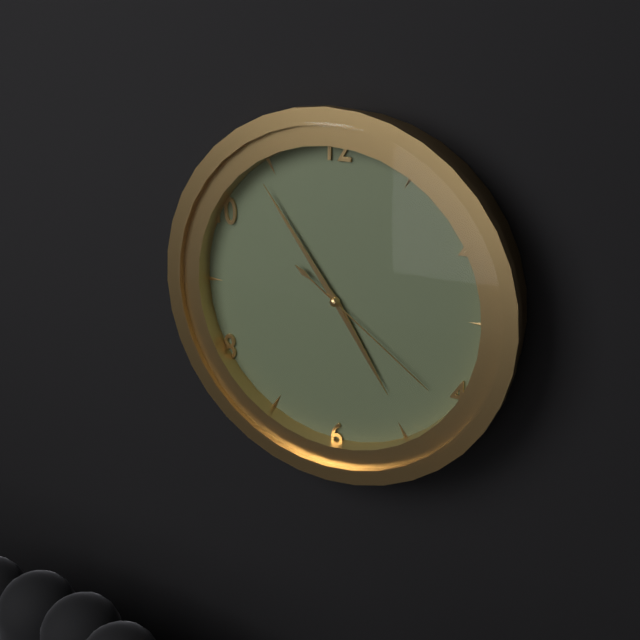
4:54:21
